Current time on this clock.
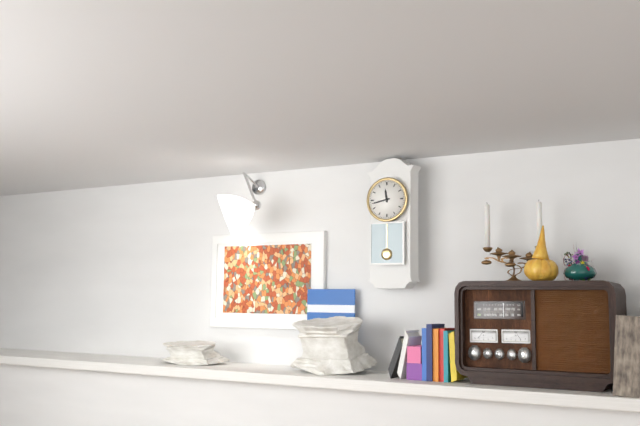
11:43
